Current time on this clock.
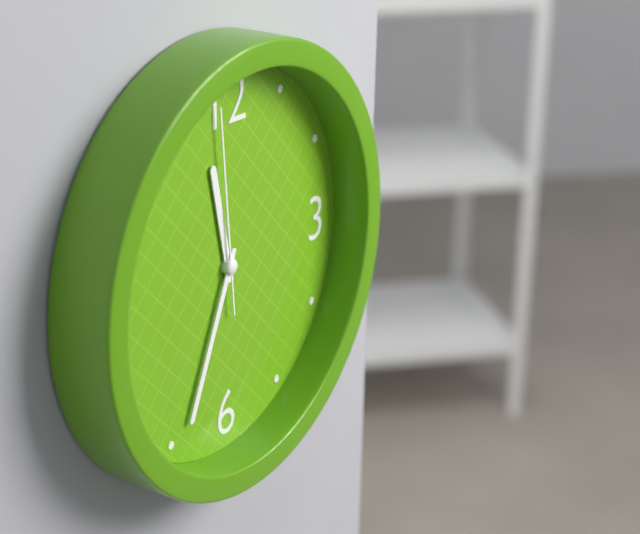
11:34:59
